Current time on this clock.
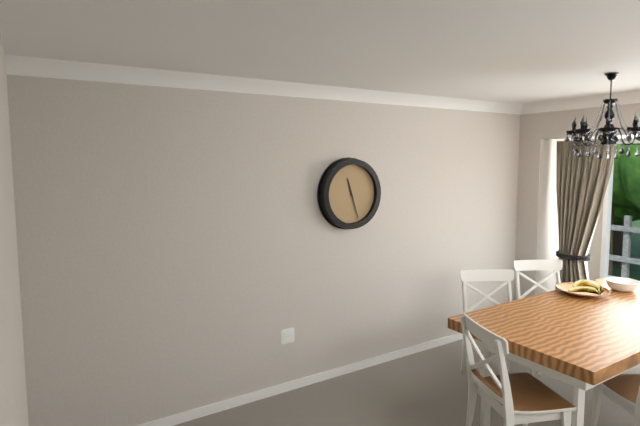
11:27
